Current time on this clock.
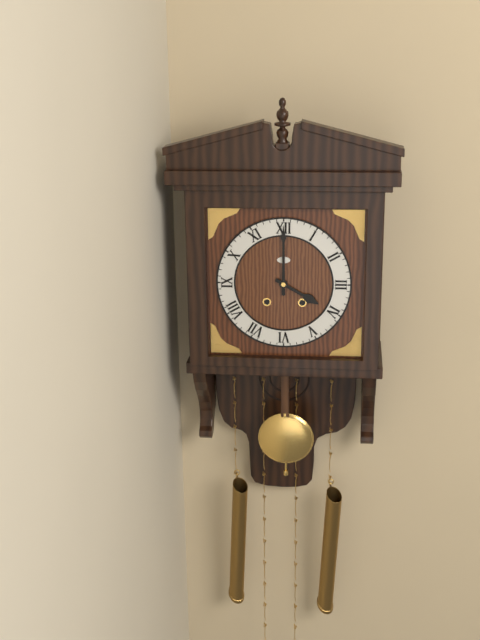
4:00
